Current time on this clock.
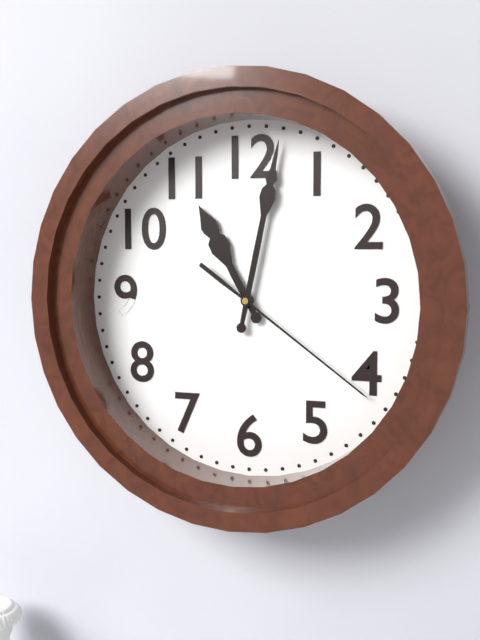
11:02:21
